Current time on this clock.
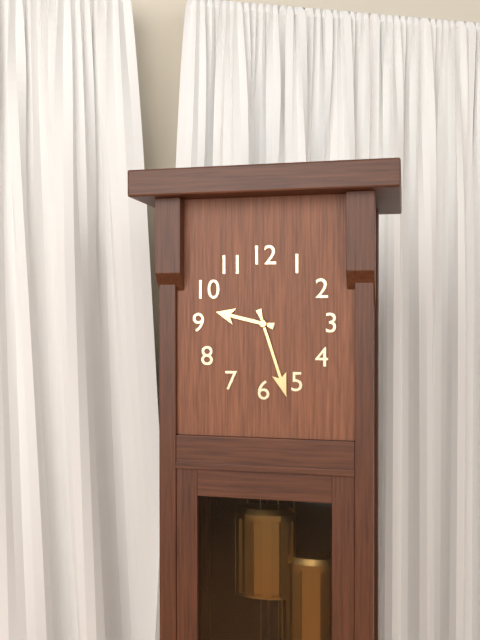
9:27
